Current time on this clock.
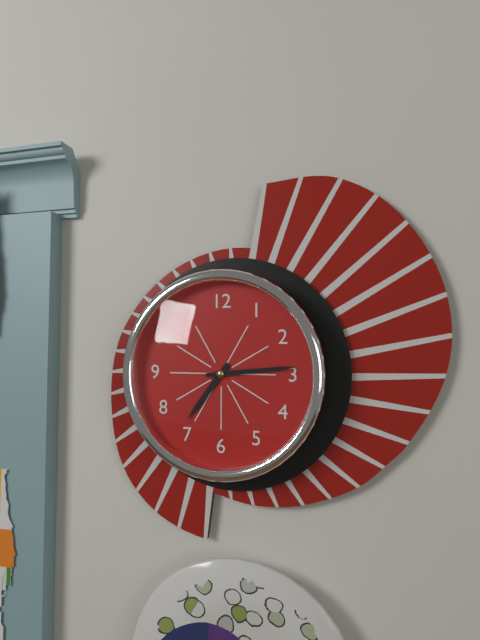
7:14
